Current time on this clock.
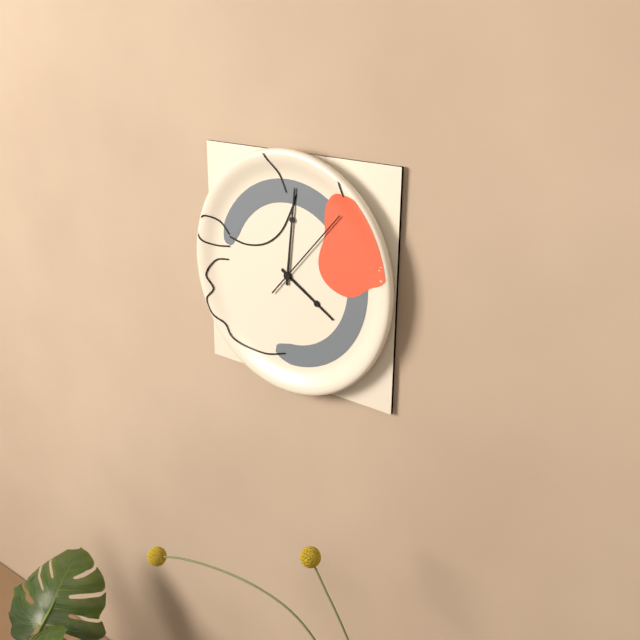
4:01:07
